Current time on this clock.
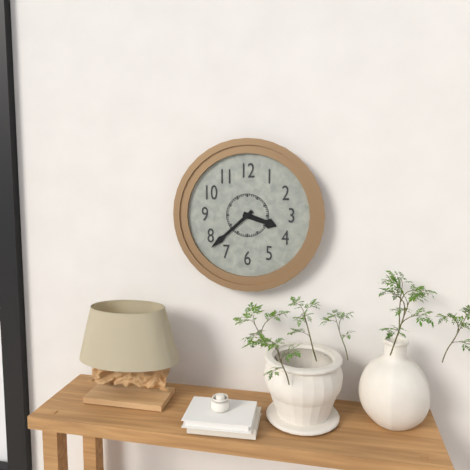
3:38
